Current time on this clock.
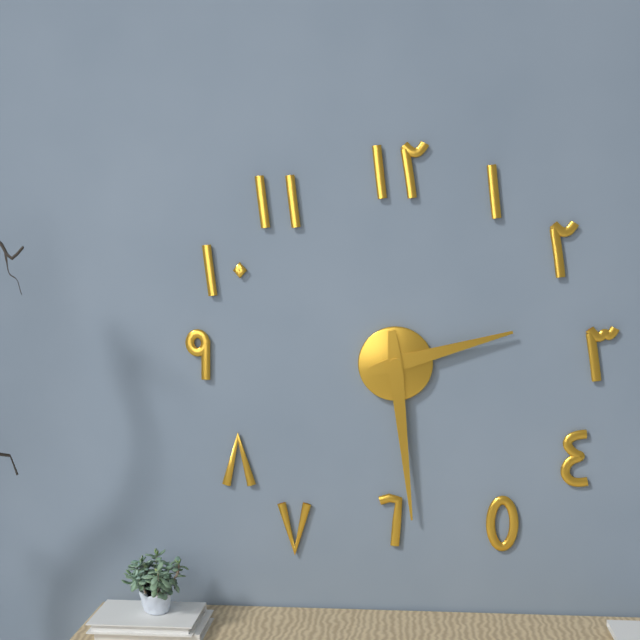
2:29
